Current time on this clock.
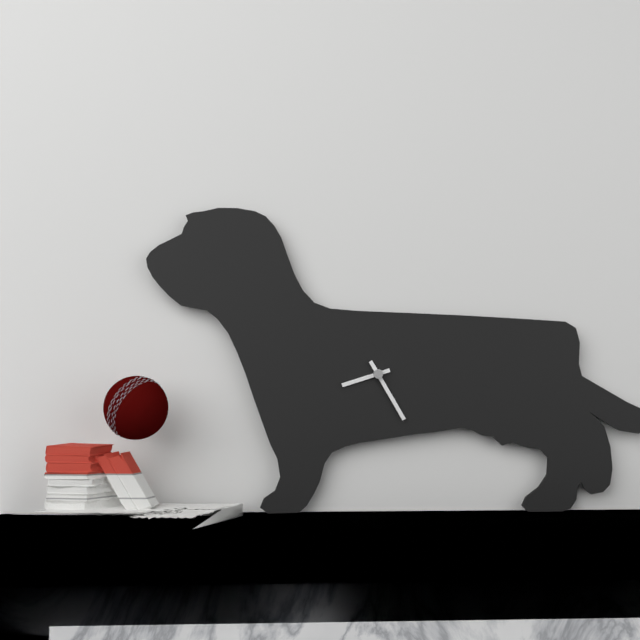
8:25
